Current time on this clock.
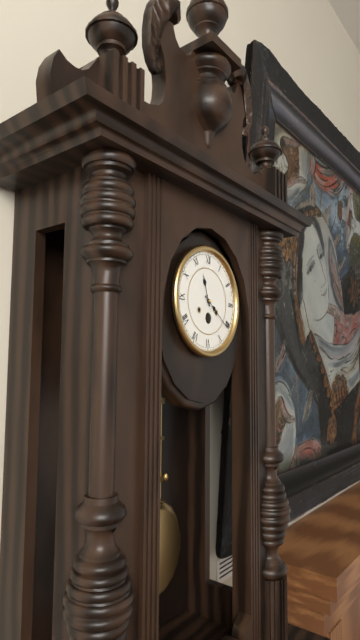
11:21
